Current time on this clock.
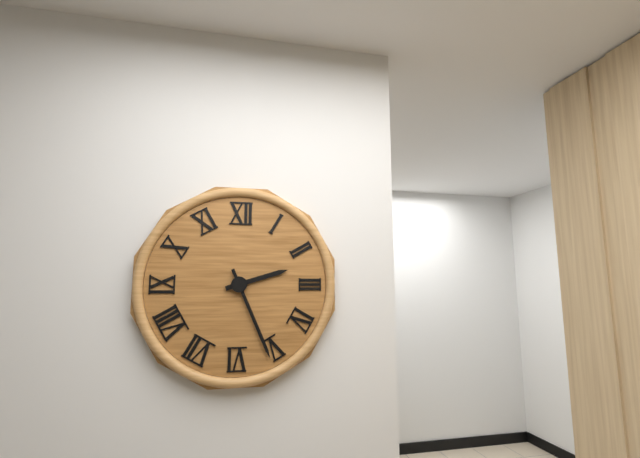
2:26
